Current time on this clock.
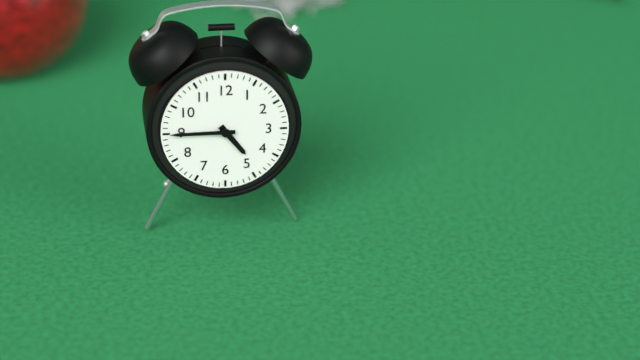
4:45
